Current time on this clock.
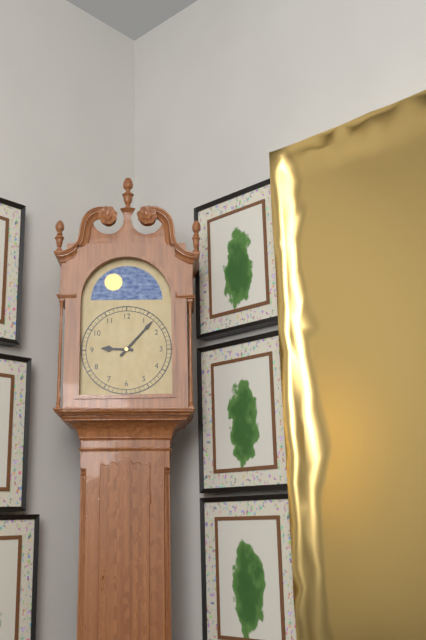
9:07
